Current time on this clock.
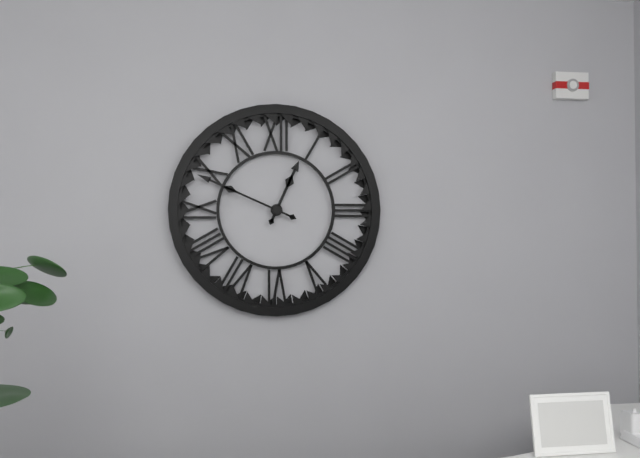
12:49
